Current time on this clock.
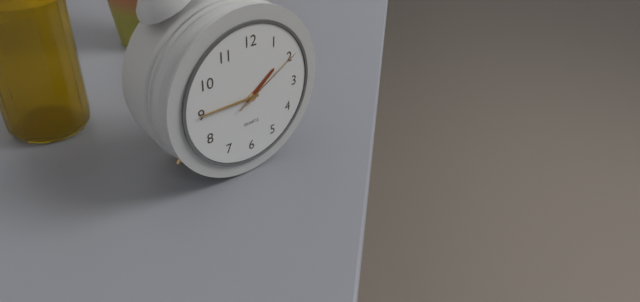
1:45:10
